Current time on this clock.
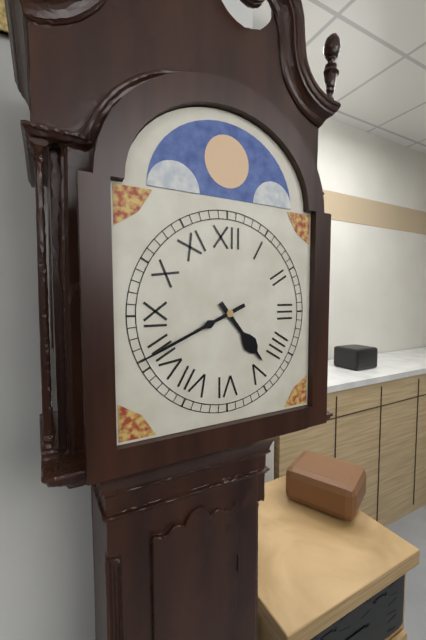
4:41
